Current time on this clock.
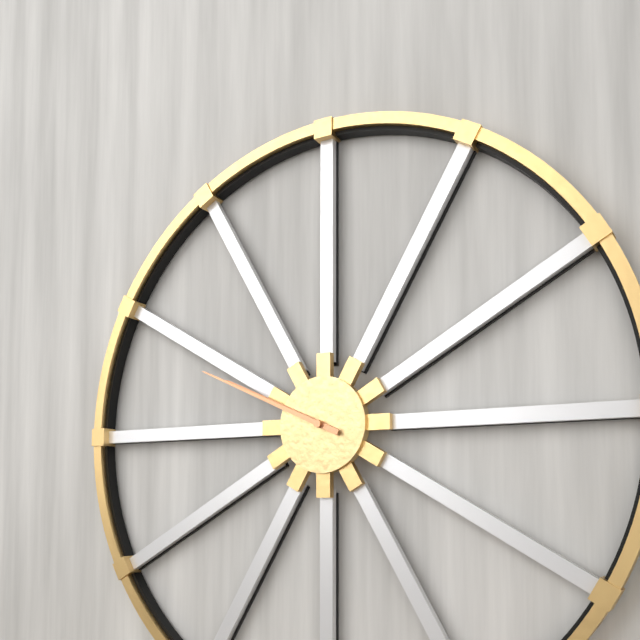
9:49
